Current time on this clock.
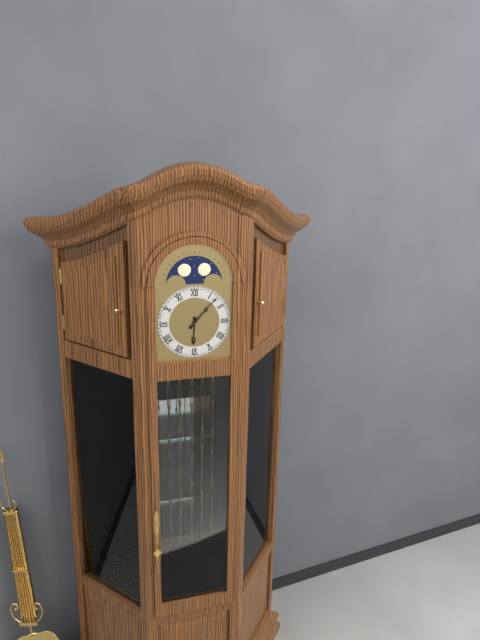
6:07
